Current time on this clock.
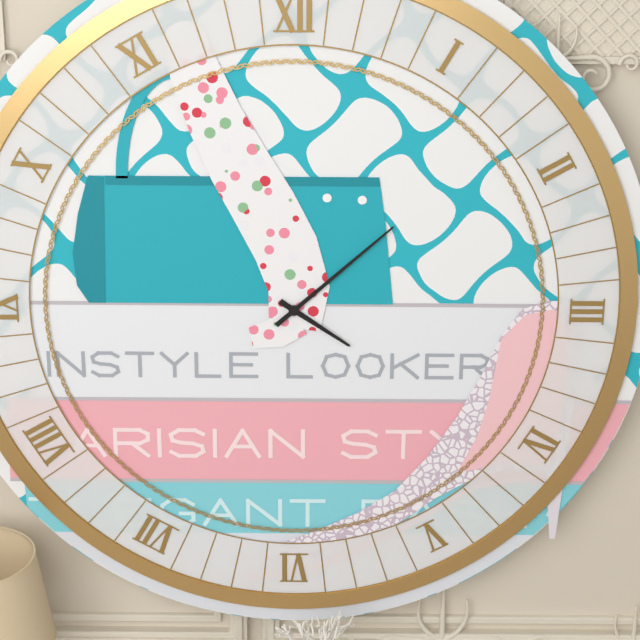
4:08
